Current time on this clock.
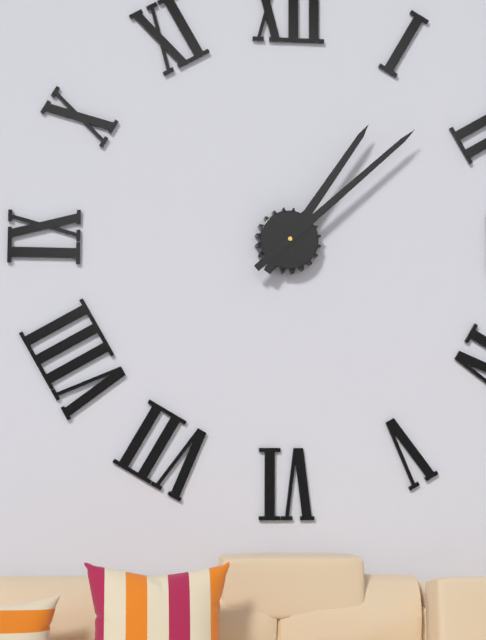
1:08
